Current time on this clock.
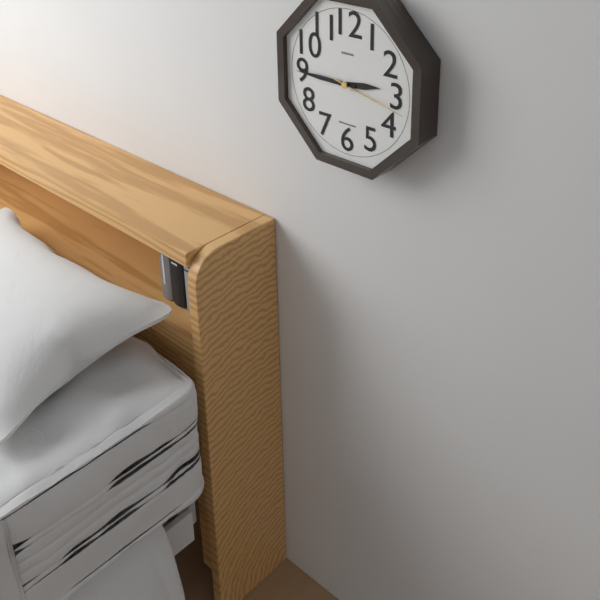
2:45:17
